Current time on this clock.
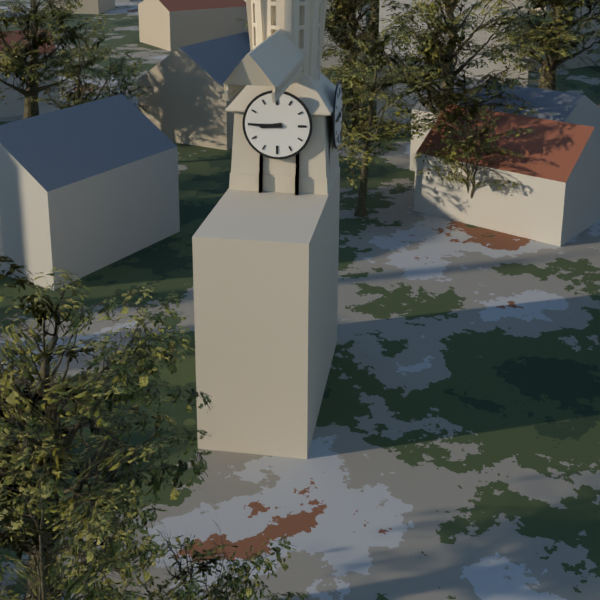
8:45
